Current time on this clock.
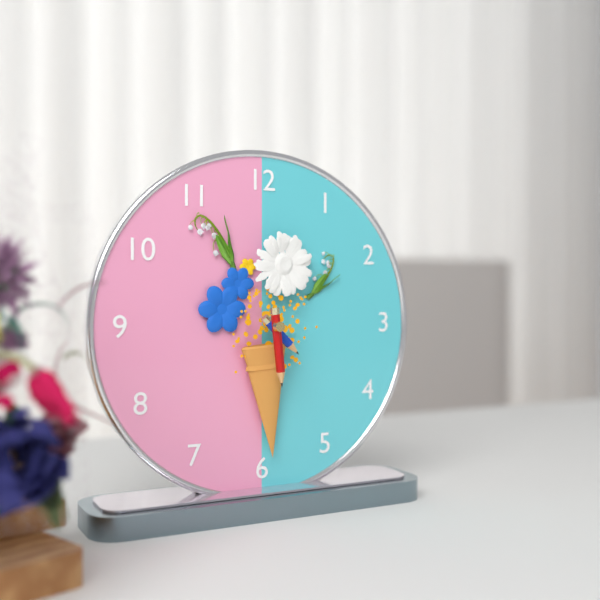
4:29
